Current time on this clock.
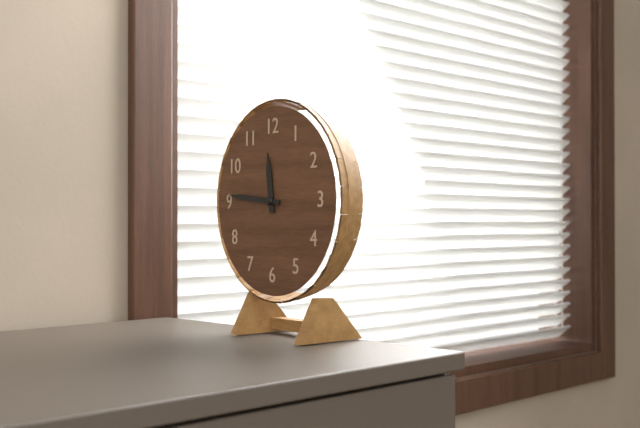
11:46
